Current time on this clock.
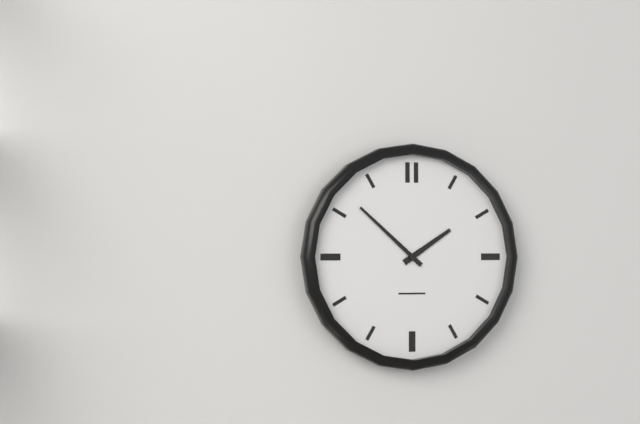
1:52
